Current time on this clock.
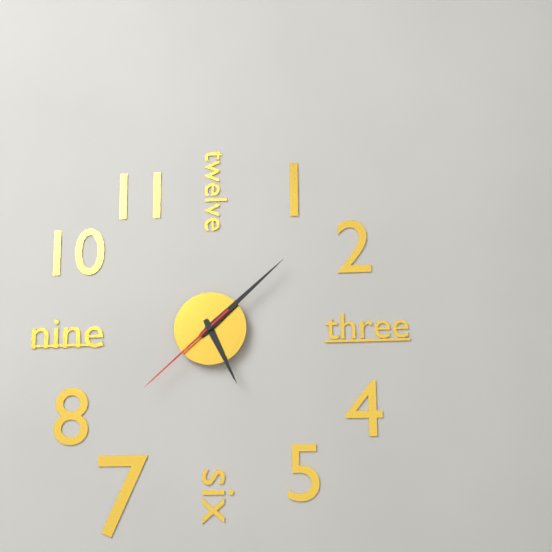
5:08:38
